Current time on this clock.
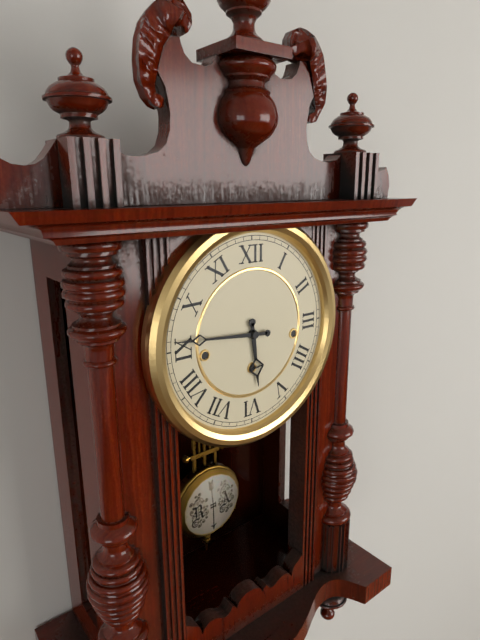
5:46
